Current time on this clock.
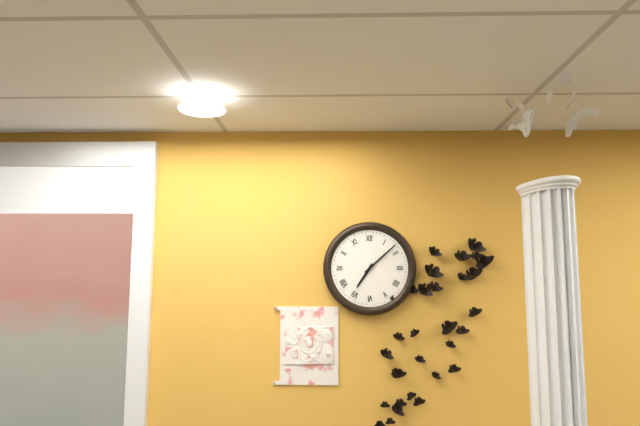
7:08
